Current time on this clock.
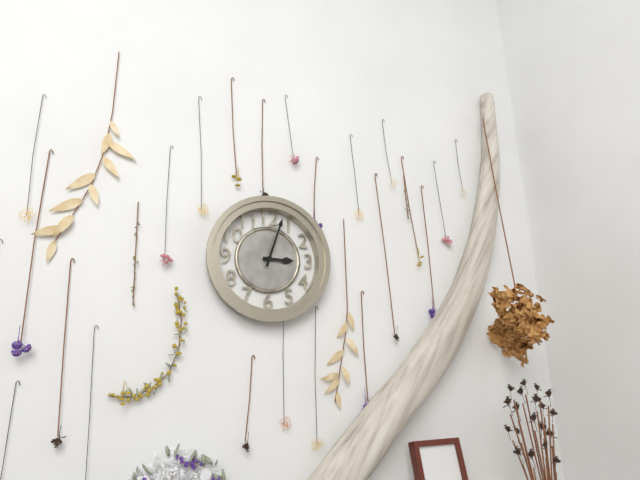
3:03
